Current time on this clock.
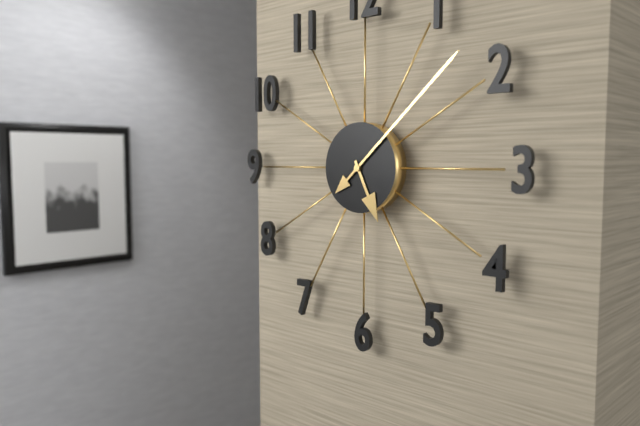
5:08
